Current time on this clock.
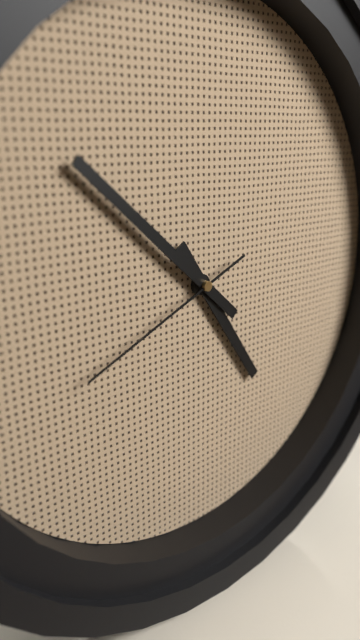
4:52:41
